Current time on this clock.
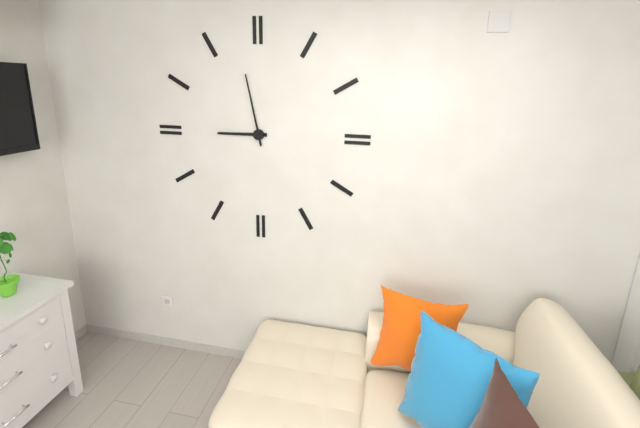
8:58
